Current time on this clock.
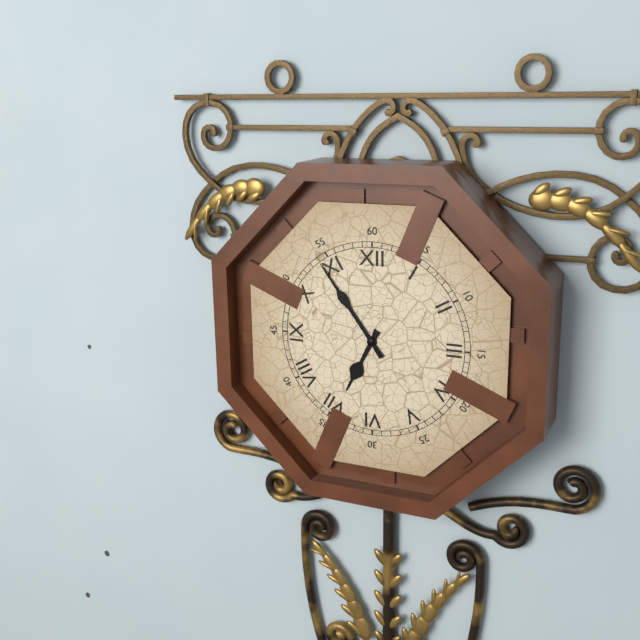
6:54
